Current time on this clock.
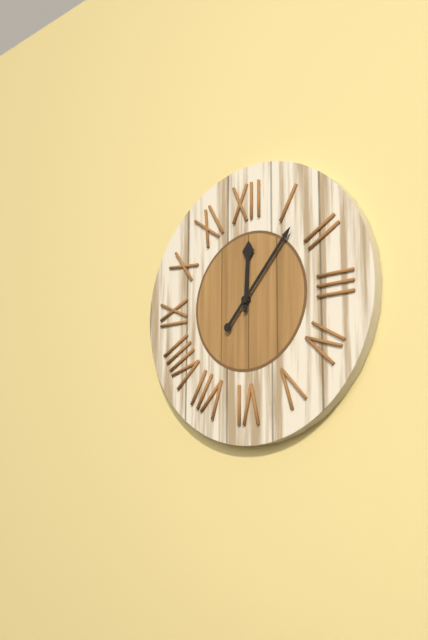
12:07
